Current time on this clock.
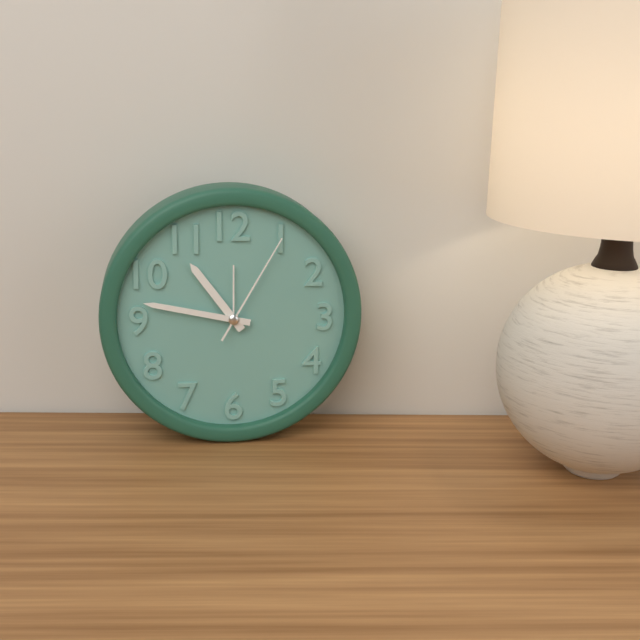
10:47:05
